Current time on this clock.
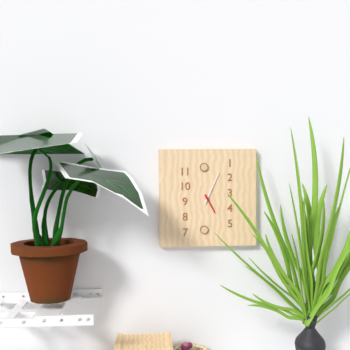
5:04
